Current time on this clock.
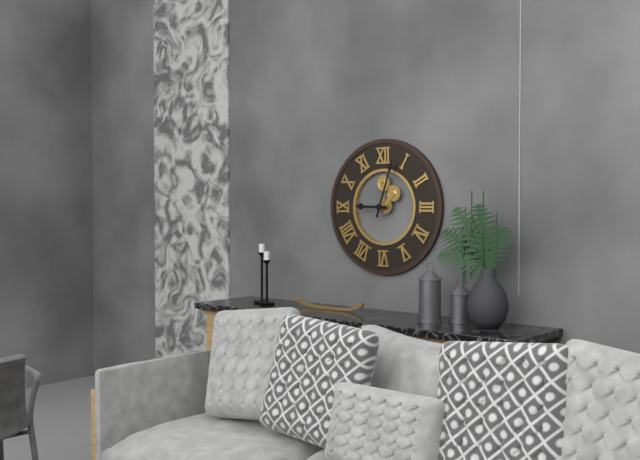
9:03
